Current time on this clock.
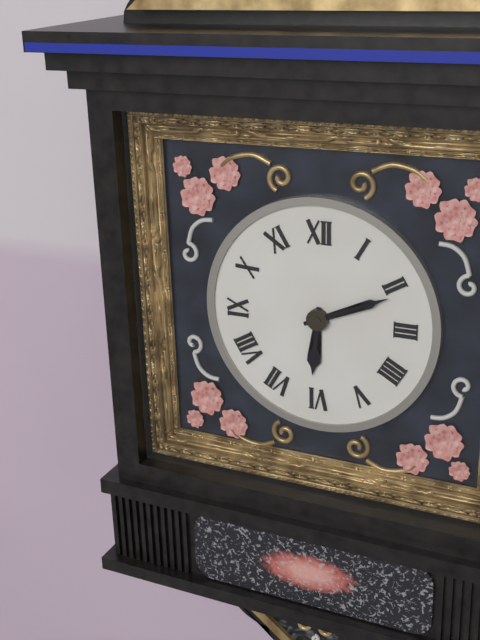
6:11
